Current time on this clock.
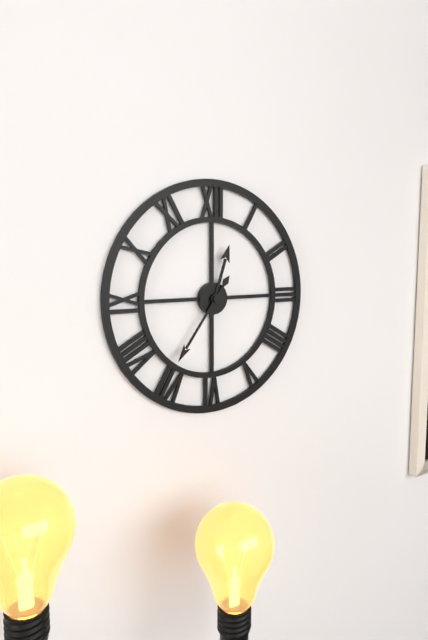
12:36
